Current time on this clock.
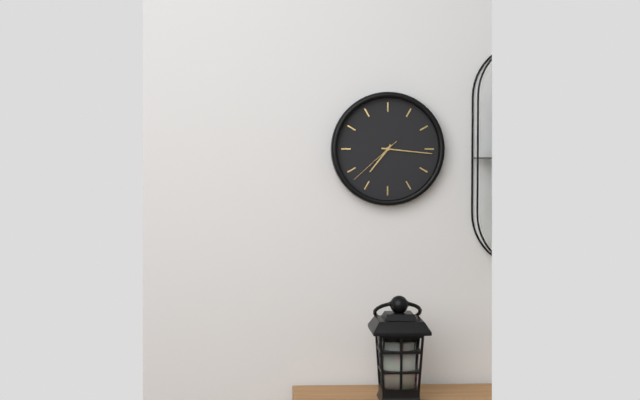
7:16:38
